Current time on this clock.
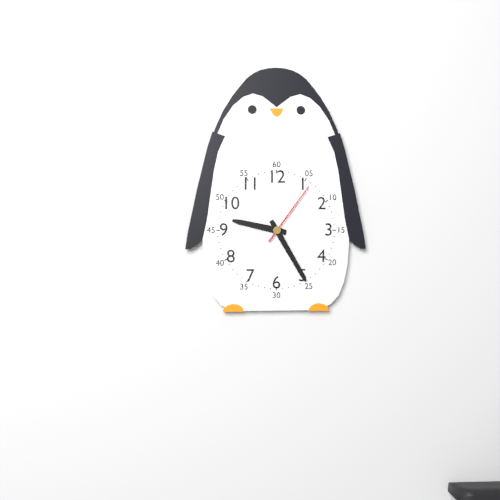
9:25:06
